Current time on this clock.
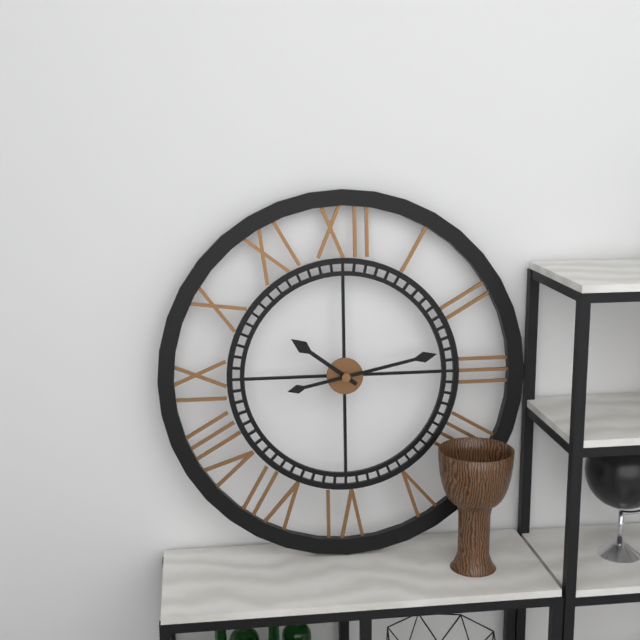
10:13
